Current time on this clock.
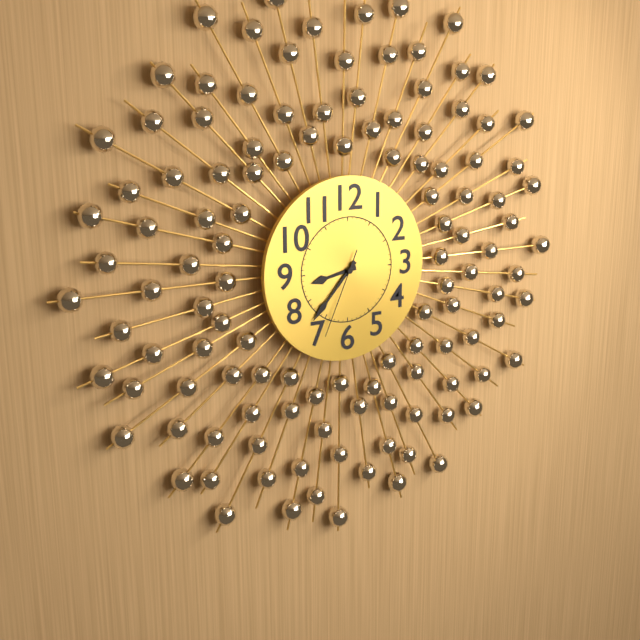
8:37:34
